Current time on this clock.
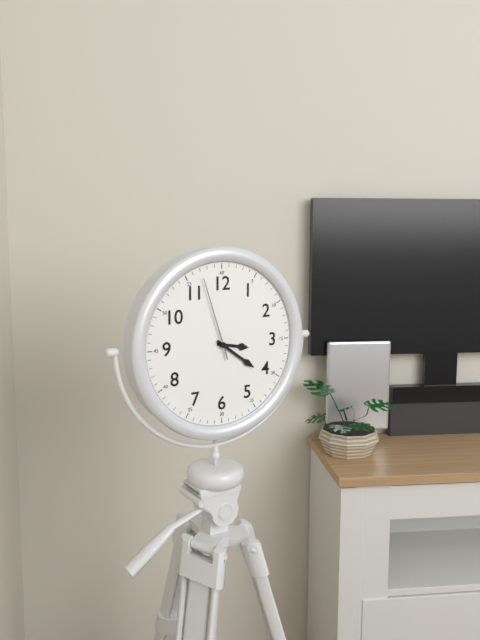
3:21:57
